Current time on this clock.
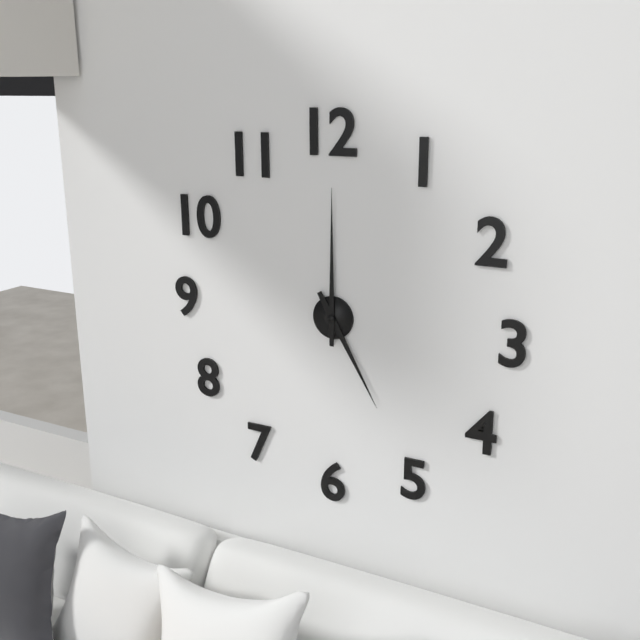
5:00
